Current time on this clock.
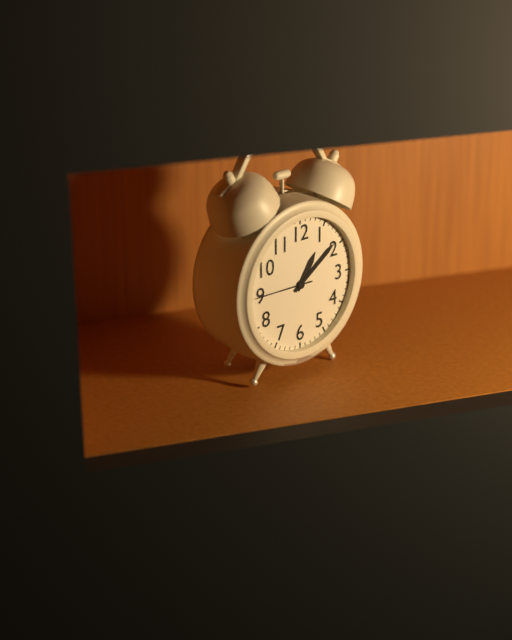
1:09:45
